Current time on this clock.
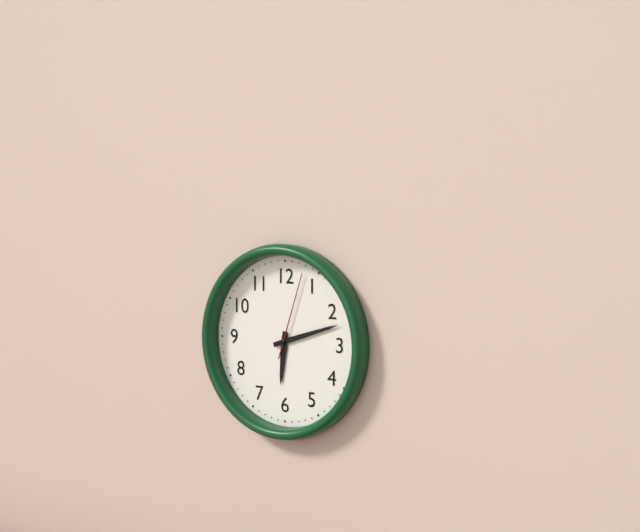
6:12:03
